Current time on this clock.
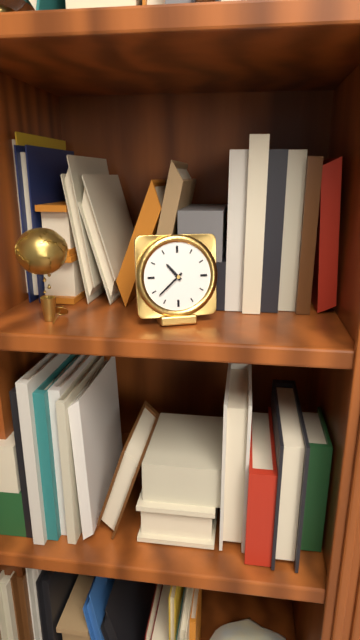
10:38
